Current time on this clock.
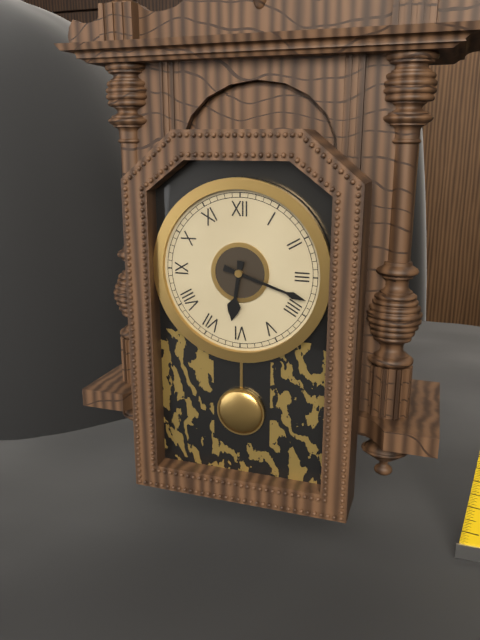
6:18
